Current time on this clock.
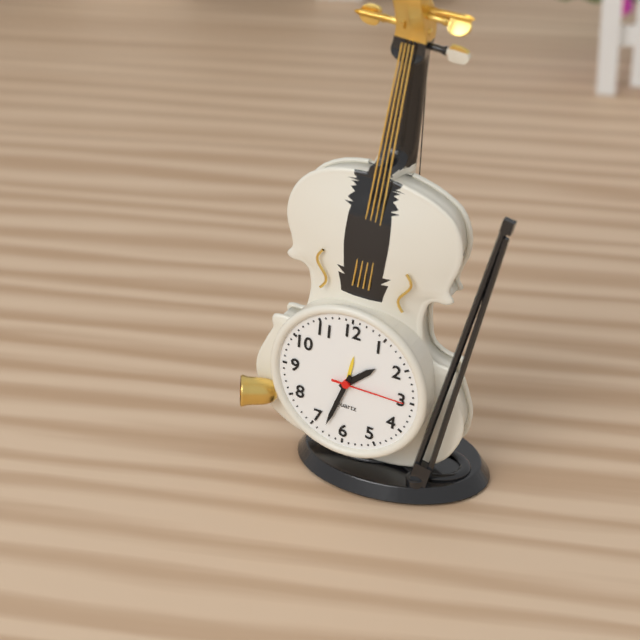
1:33:15
